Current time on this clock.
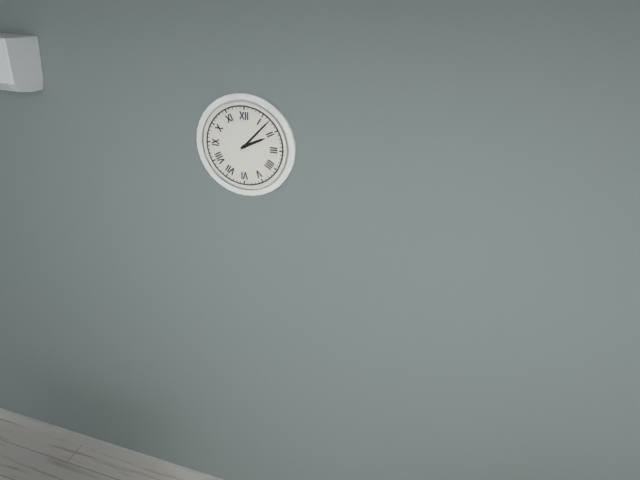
2:07
